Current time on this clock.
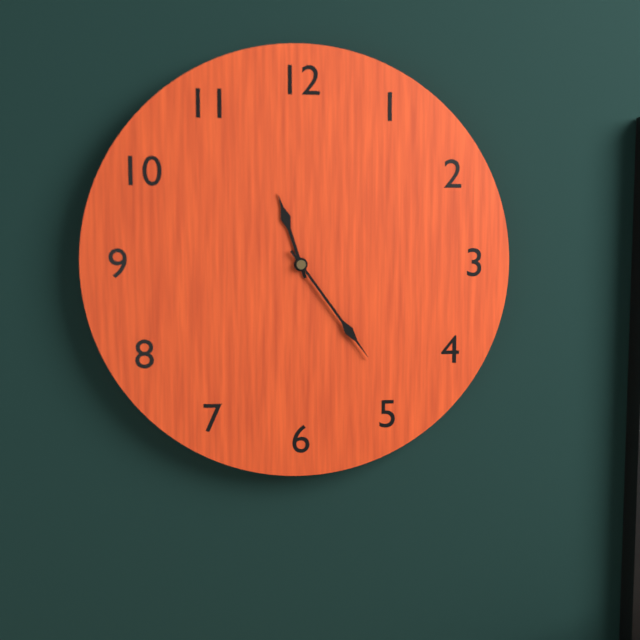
11:24
